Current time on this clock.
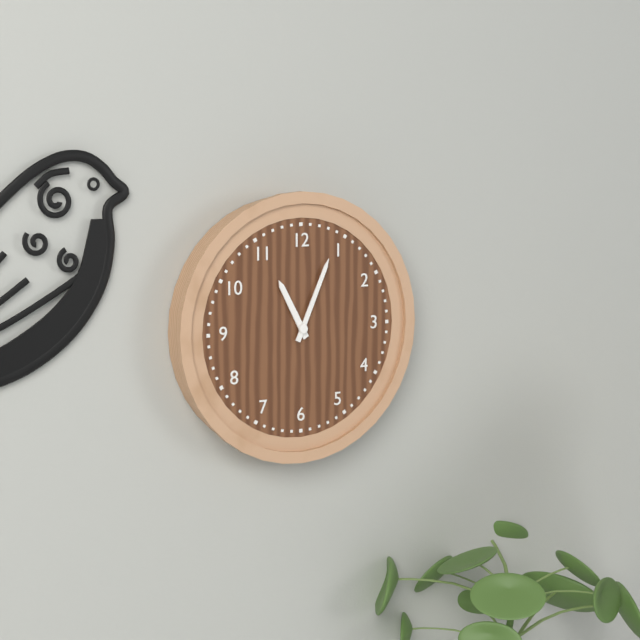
11:04
